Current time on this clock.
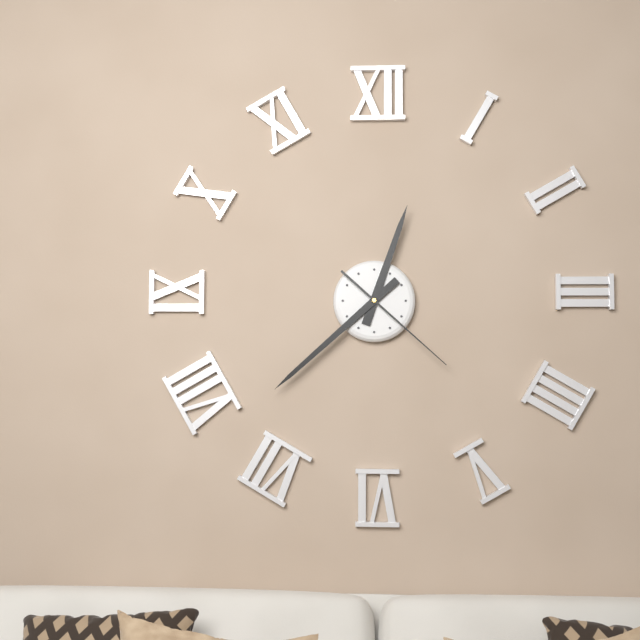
12:38:22
